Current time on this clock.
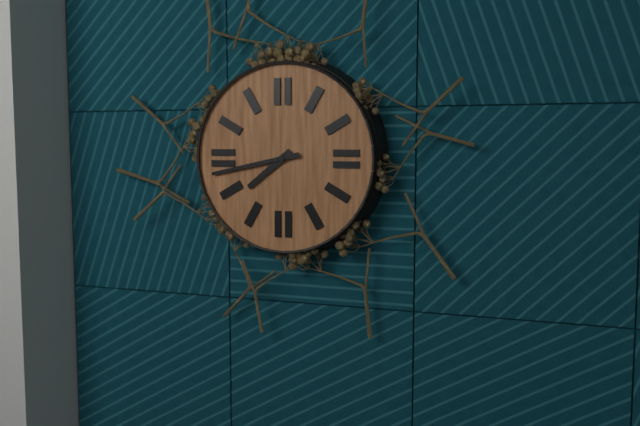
7:43
